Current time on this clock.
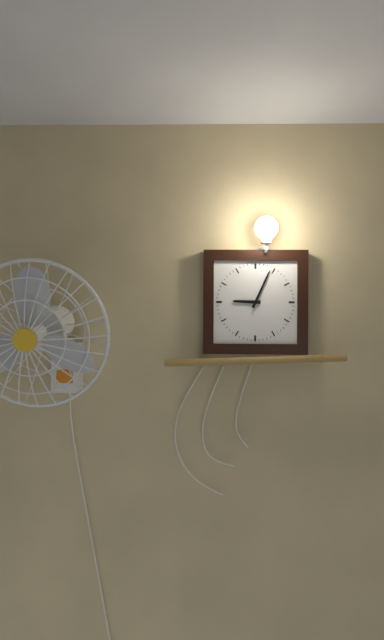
9:04
